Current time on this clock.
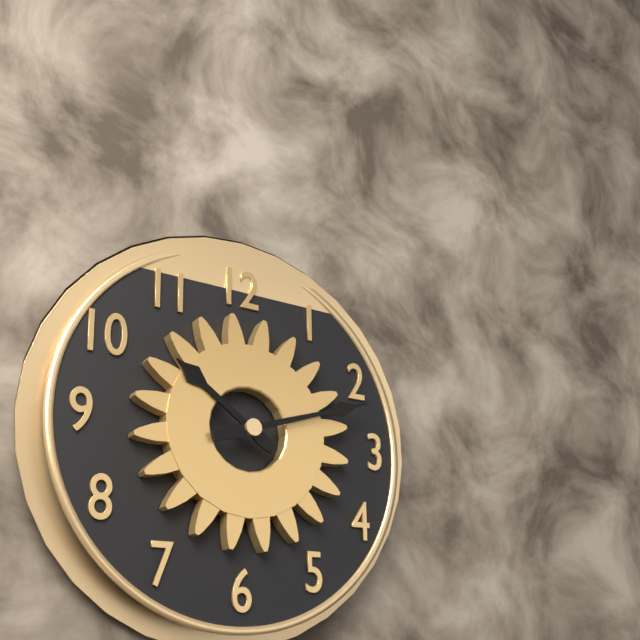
10:12
